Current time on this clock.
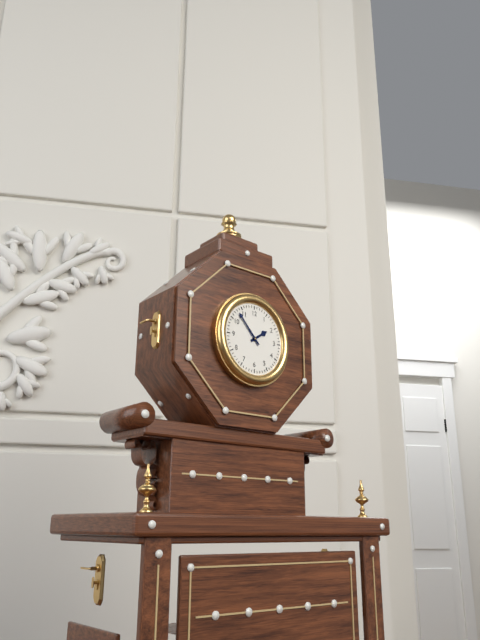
1:53
